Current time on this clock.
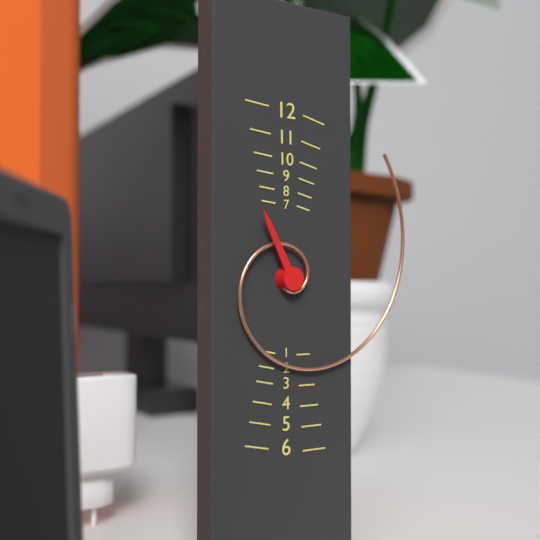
11:07
